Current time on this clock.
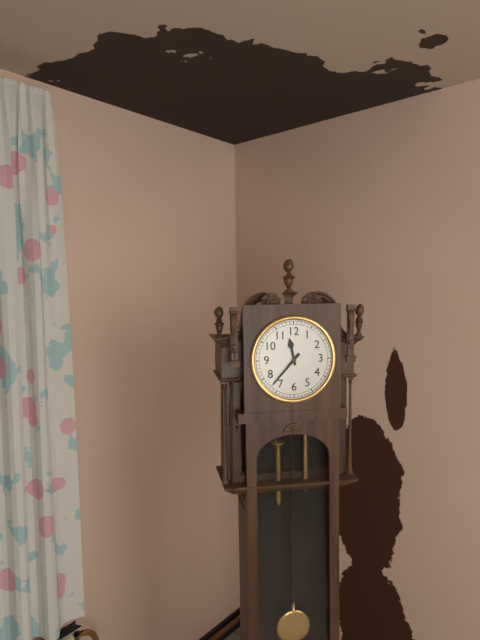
11:37
